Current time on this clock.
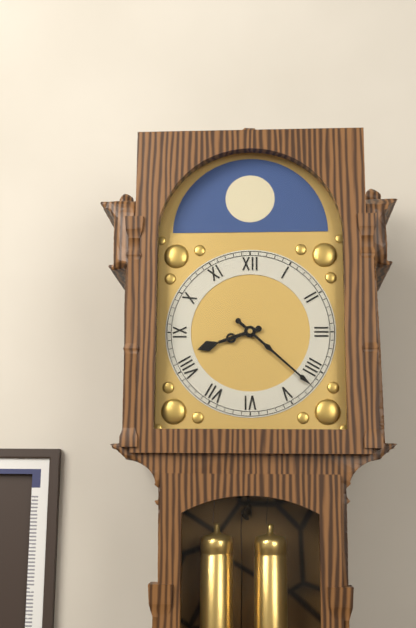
8:22
